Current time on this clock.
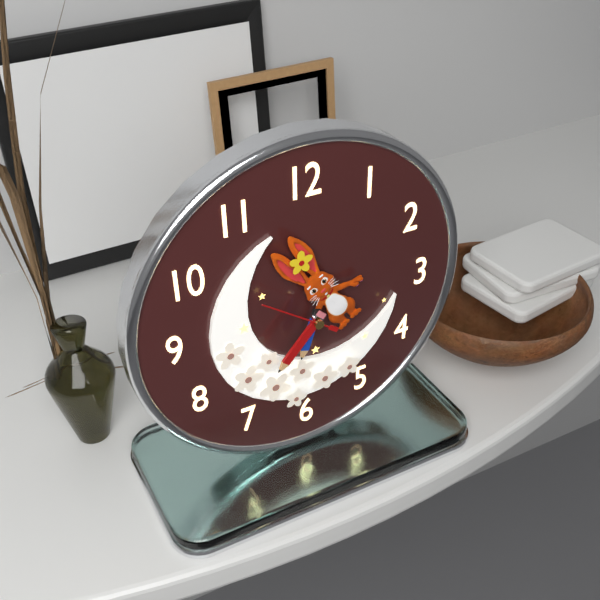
6:37:51
